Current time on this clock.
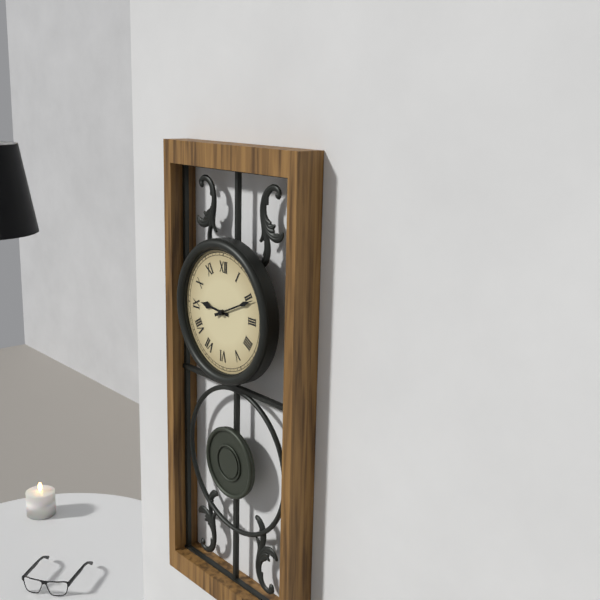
9:11
